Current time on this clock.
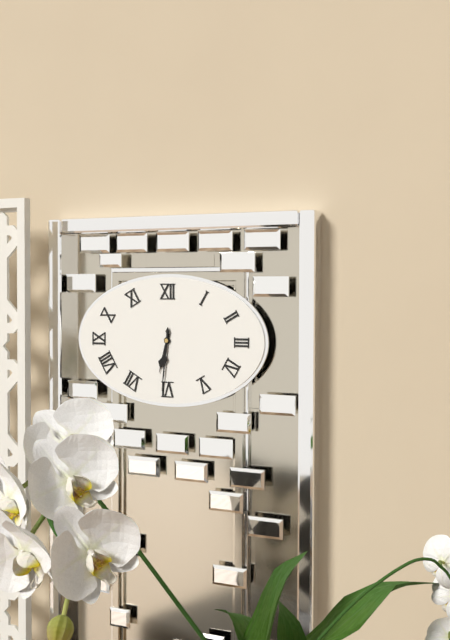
6:31
